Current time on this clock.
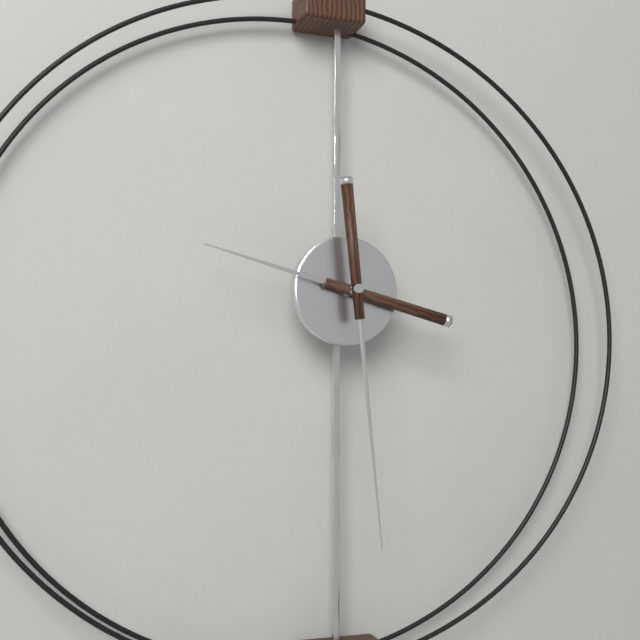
9:29
